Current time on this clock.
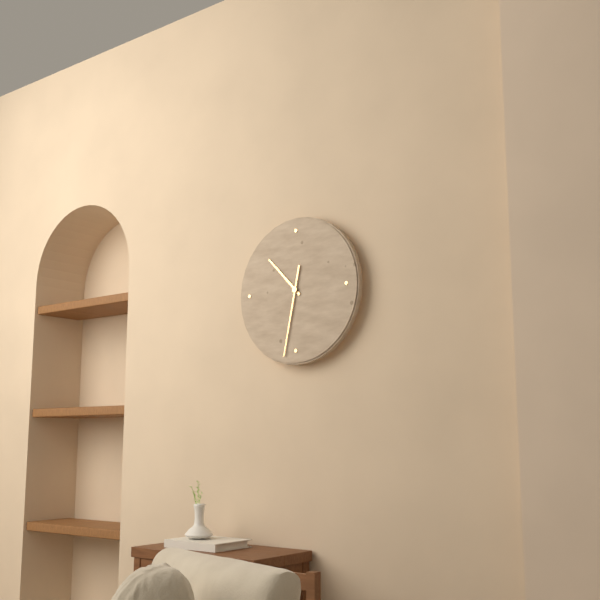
10:32
